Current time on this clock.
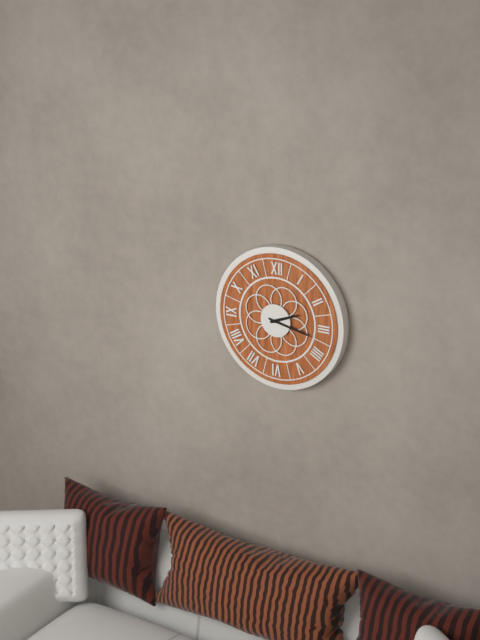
2:17
